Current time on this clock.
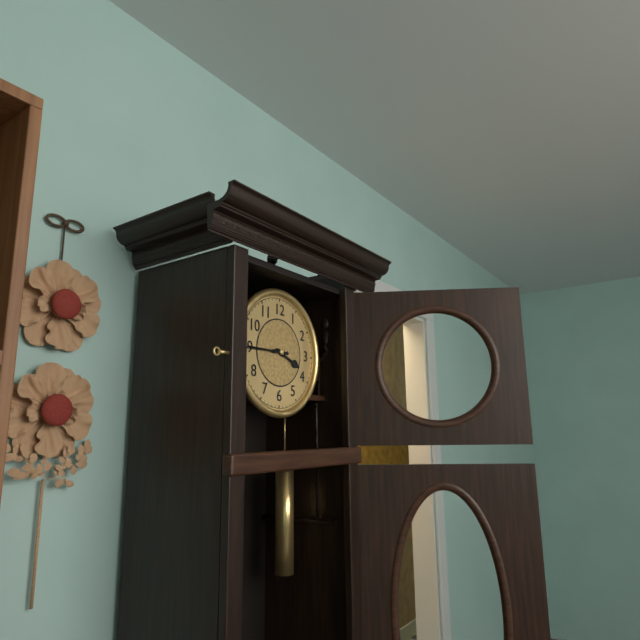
3:45
